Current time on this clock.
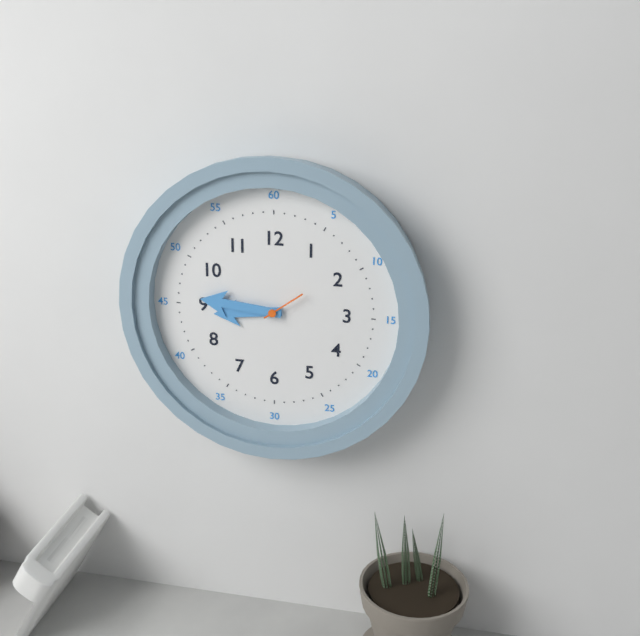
8:46
